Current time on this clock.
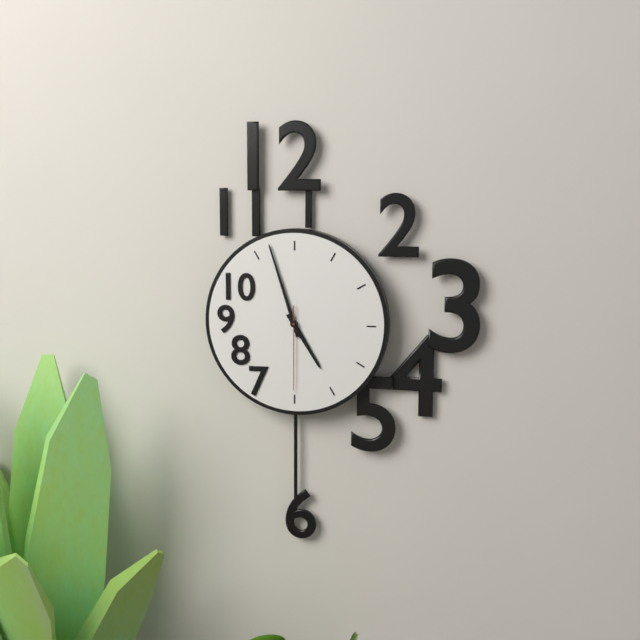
4:57:30
